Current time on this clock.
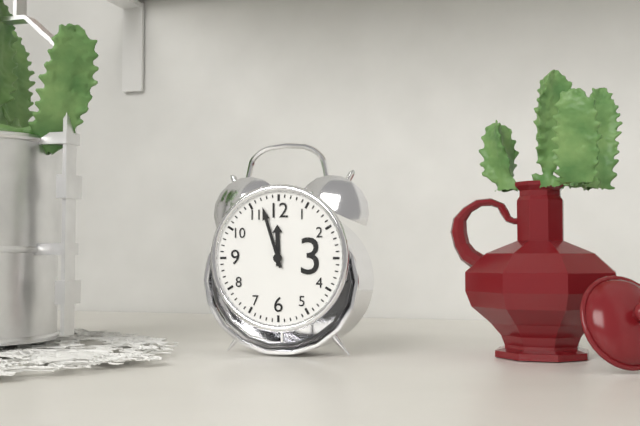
11:57
